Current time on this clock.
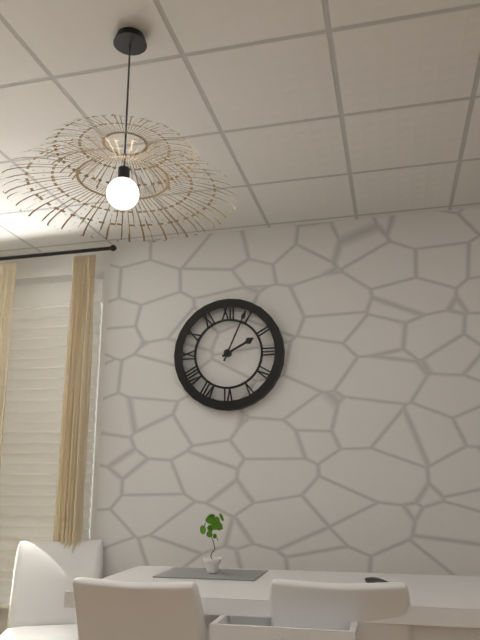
2:04
